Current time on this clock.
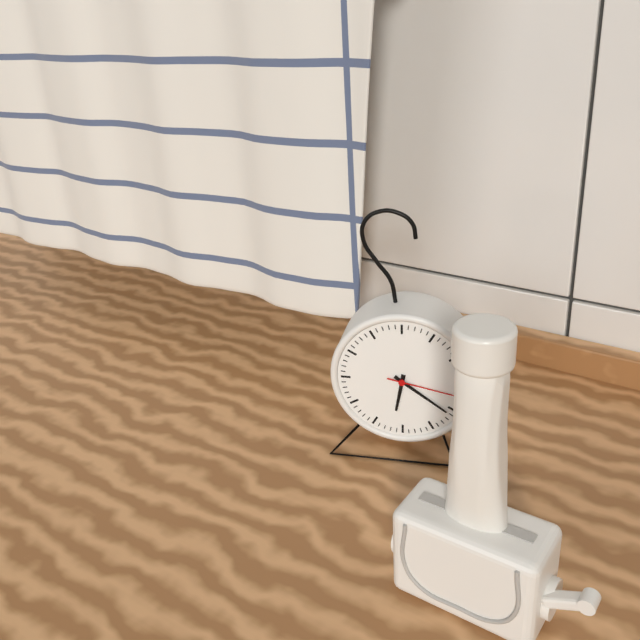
6:21:17
